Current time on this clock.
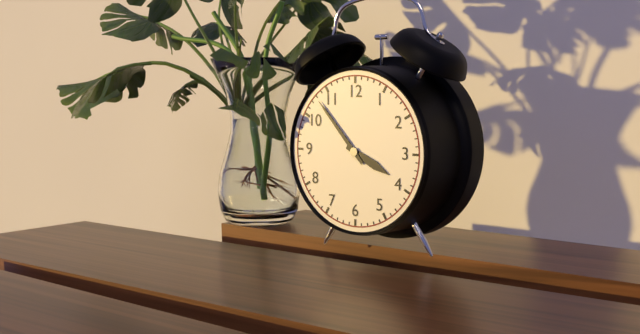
3:53
